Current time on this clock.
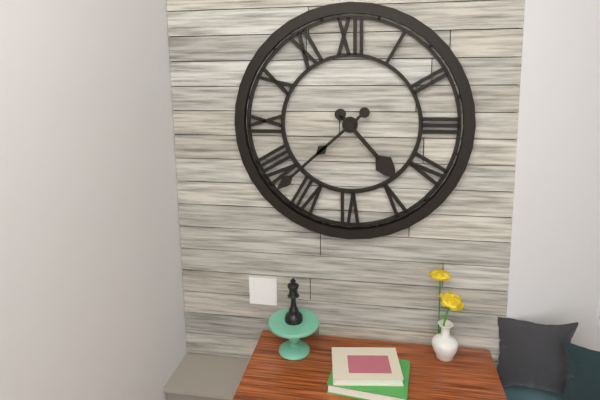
4:38
